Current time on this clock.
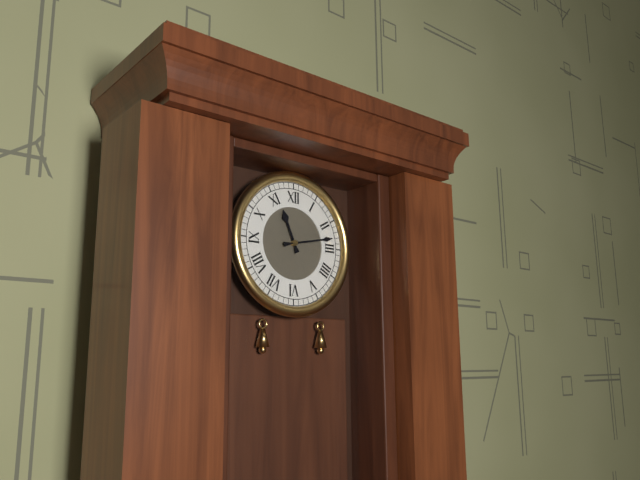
11:13
